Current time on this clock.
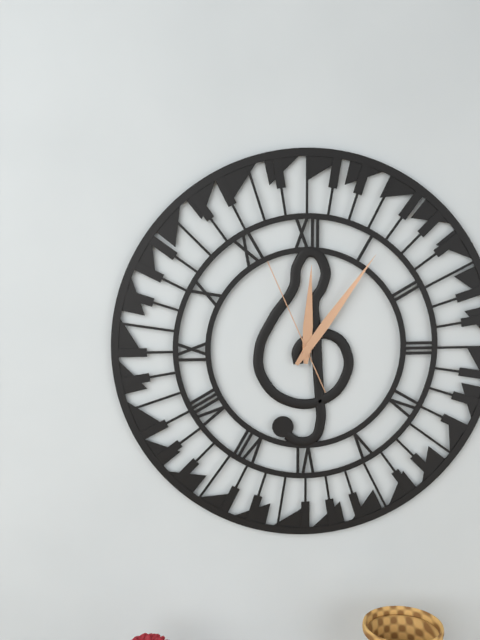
12:06:56
